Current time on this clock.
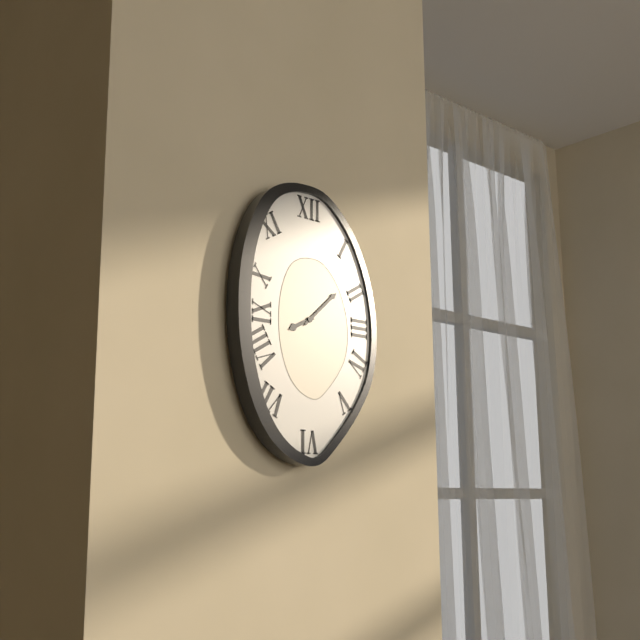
8:08
